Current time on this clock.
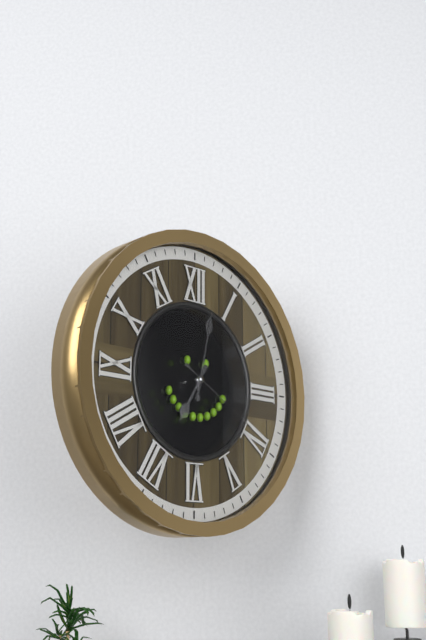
7:02:20
